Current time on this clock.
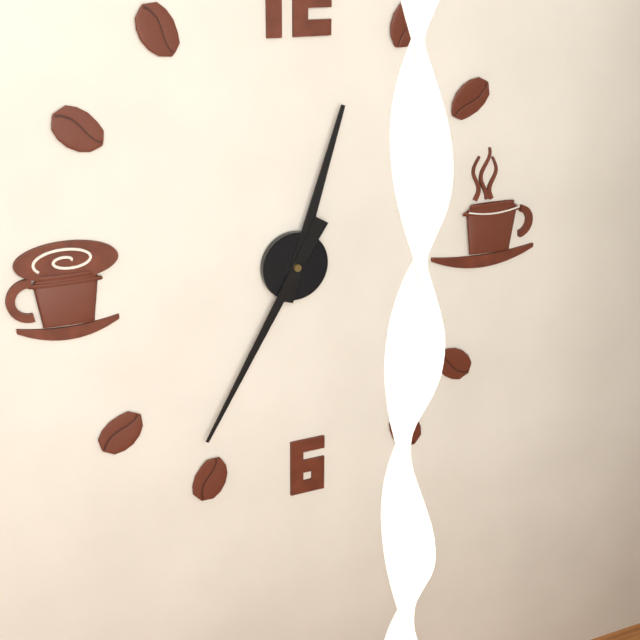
12:35
